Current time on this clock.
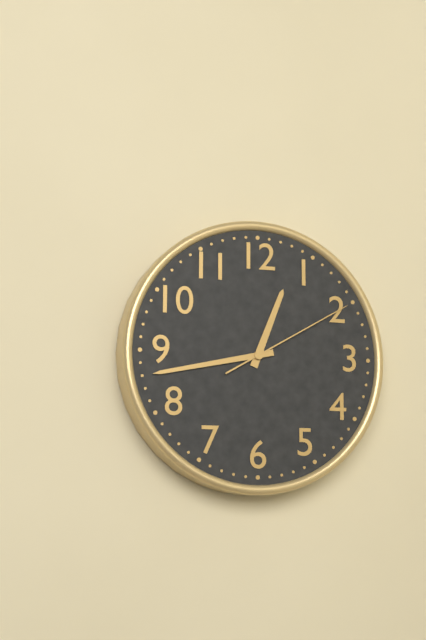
12:43:10
